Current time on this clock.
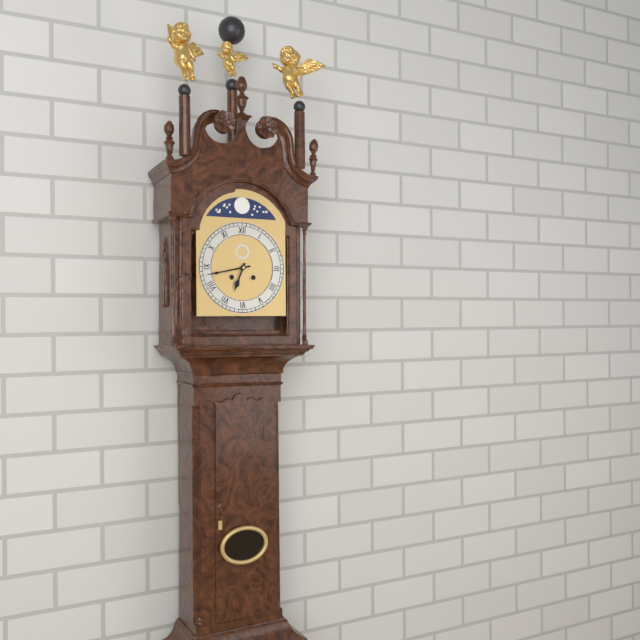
6:43
